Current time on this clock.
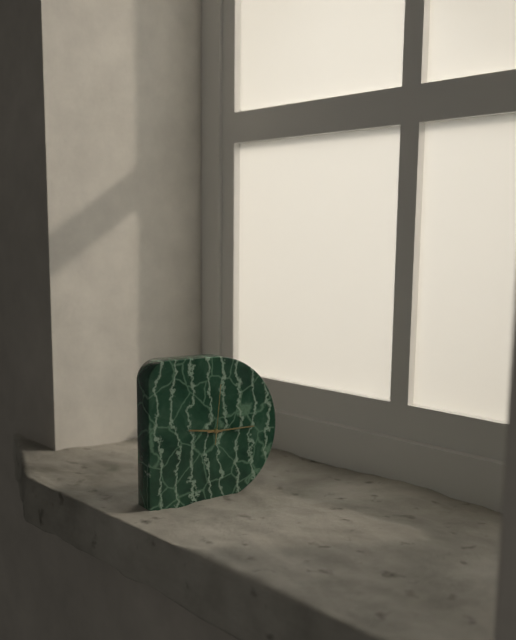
9:15:01
